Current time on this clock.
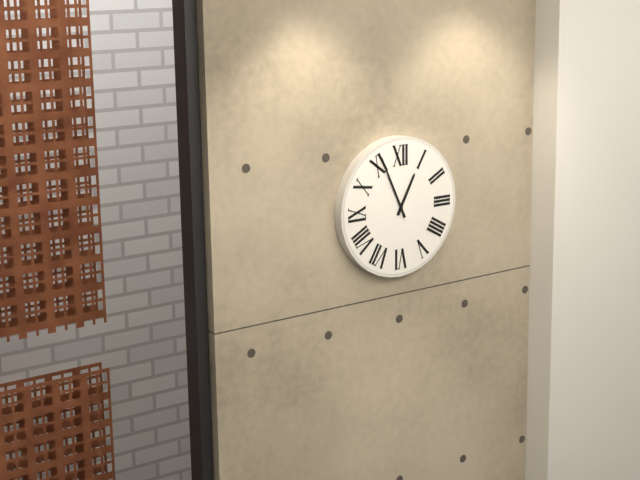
12:56
